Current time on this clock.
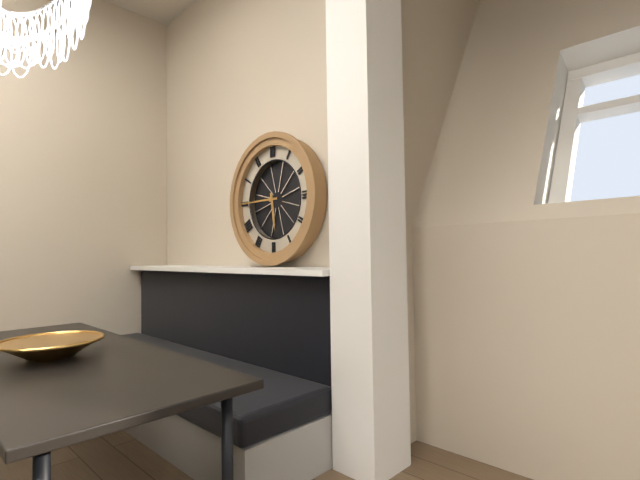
5:45
